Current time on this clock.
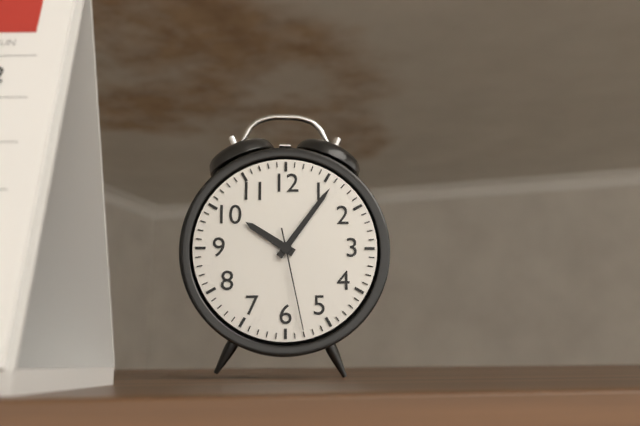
10:06:28
